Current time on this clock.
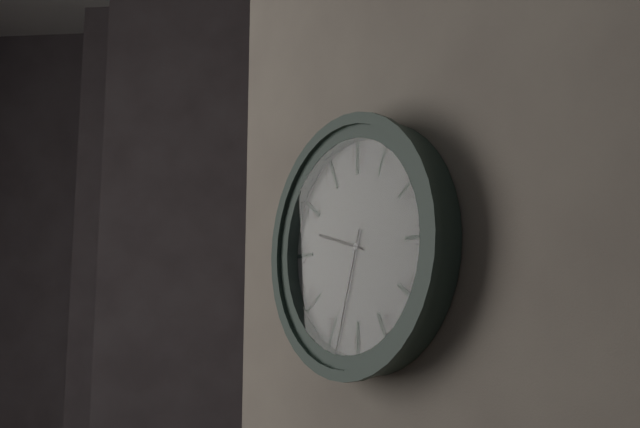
9:33
